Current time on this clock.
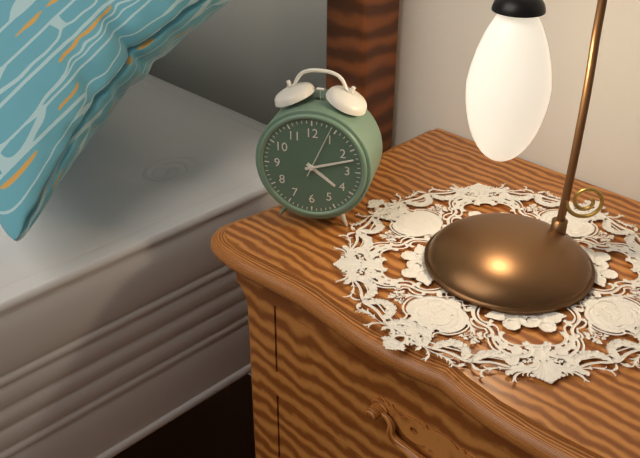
4:12:04
